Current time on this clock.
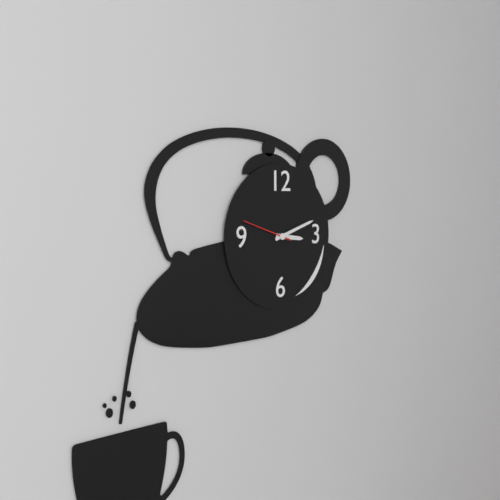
3:12:48
